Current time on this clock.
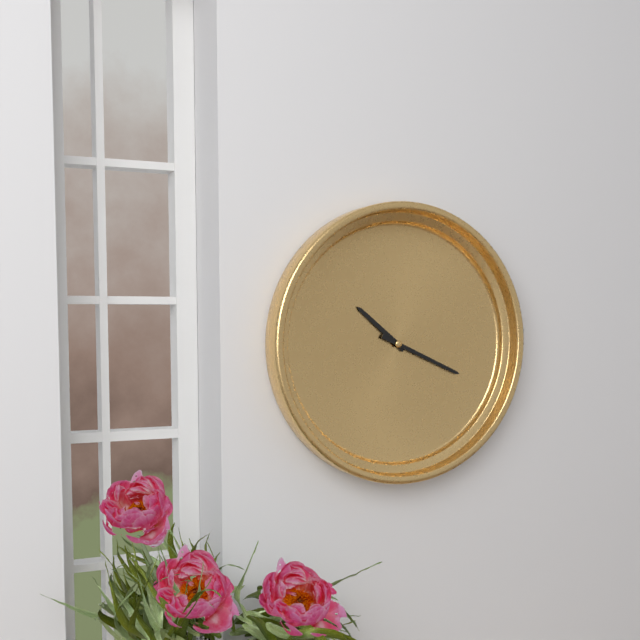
10:19
